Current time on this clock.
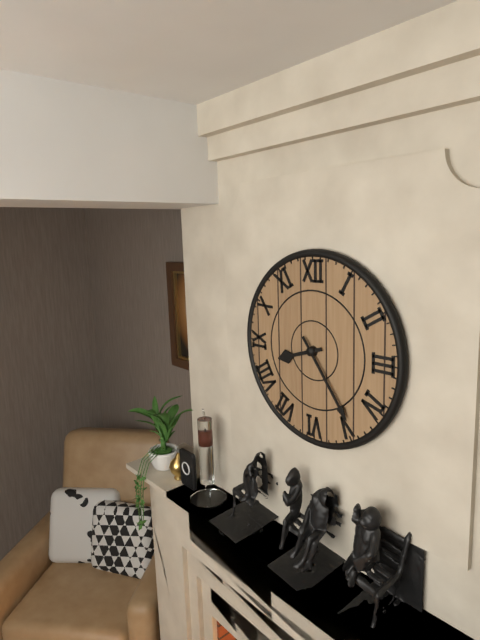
8:24
